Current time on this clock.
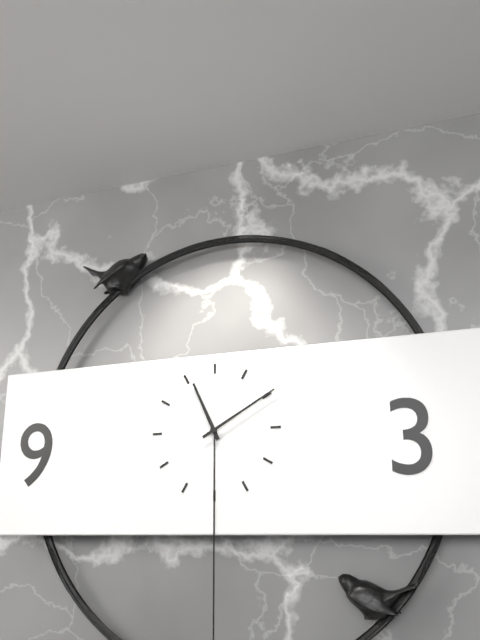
11:10
